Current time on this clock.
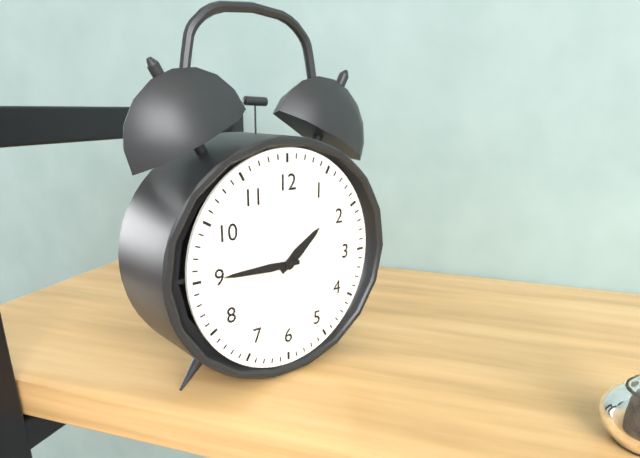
1:45
